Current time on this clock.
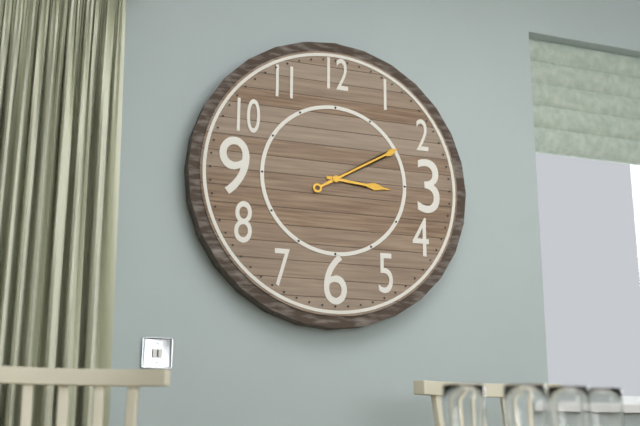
3:10
